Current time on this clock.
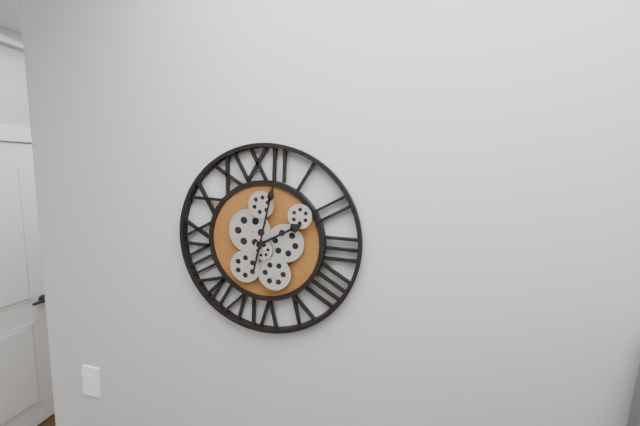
2:02
